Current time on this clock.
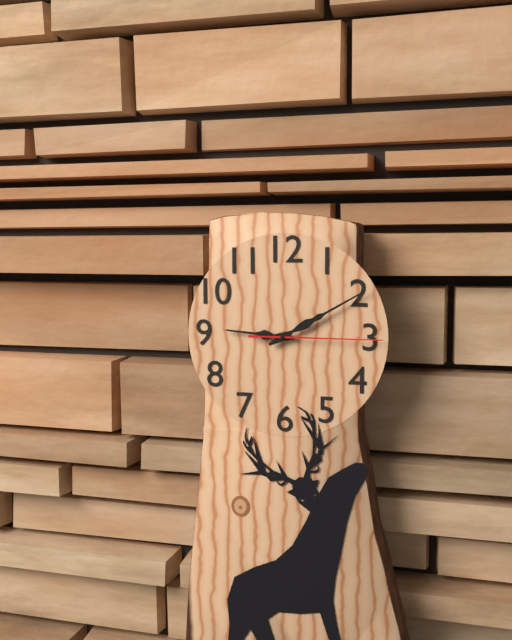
9:10:15
